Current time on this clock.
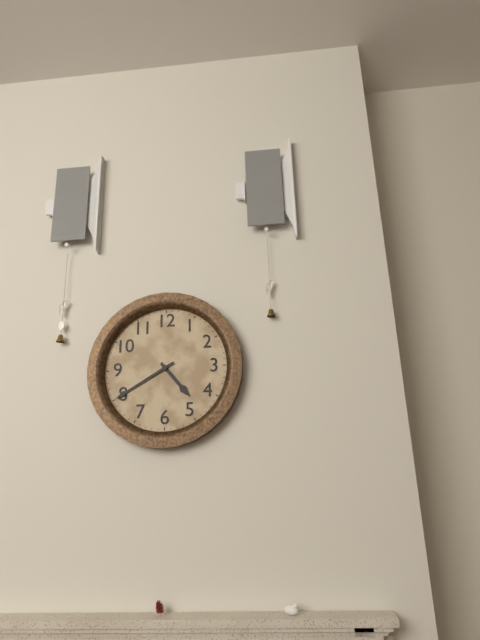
4:40
